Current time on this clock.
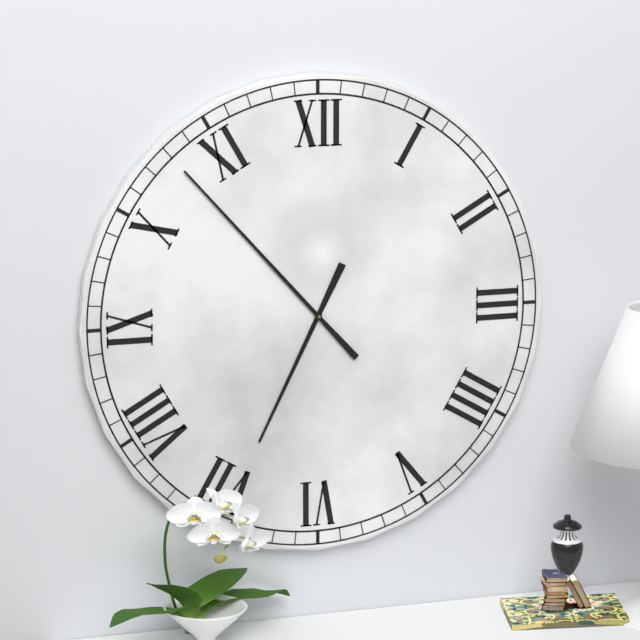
6:53
